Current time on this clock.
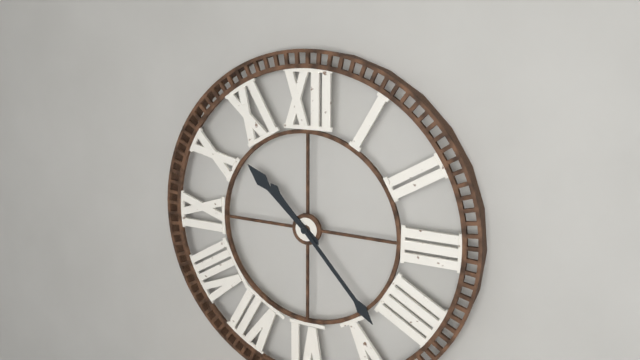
10:23
